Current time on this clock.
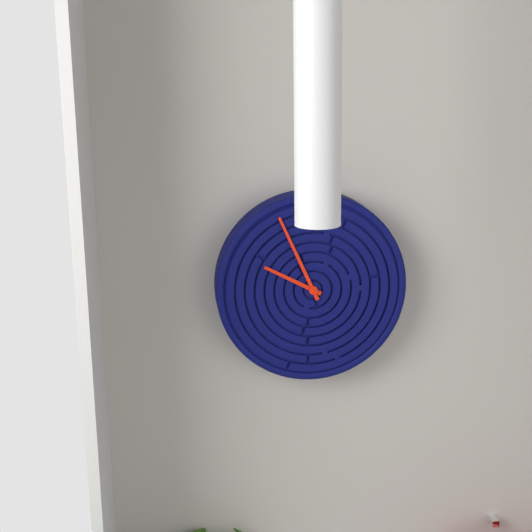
9:56
